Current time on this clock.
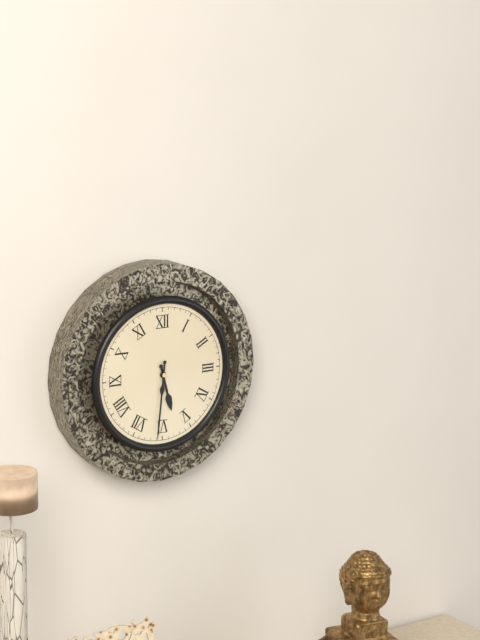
5:31
